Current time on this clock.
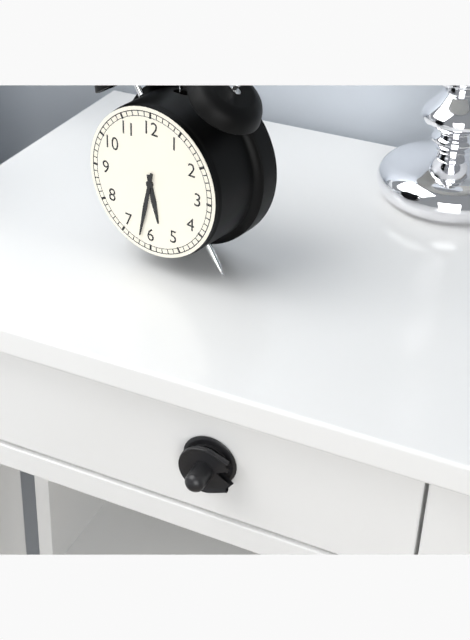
5:32
